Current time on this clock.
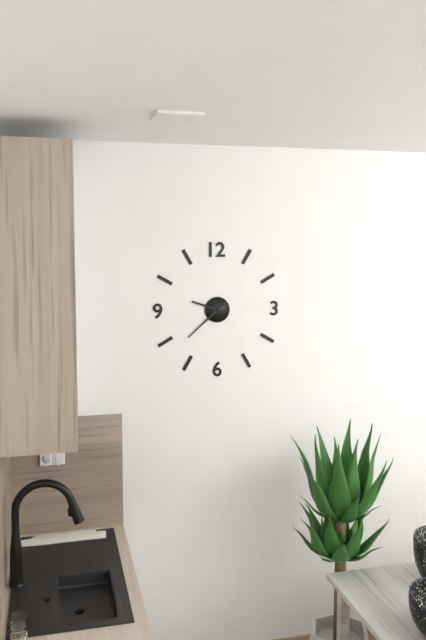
9:38
